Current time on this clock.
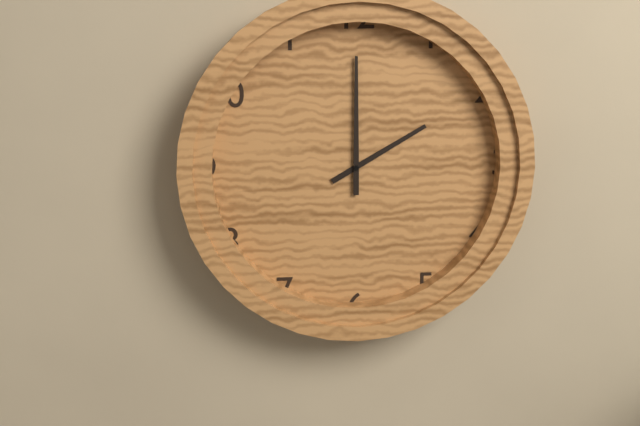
2:00
